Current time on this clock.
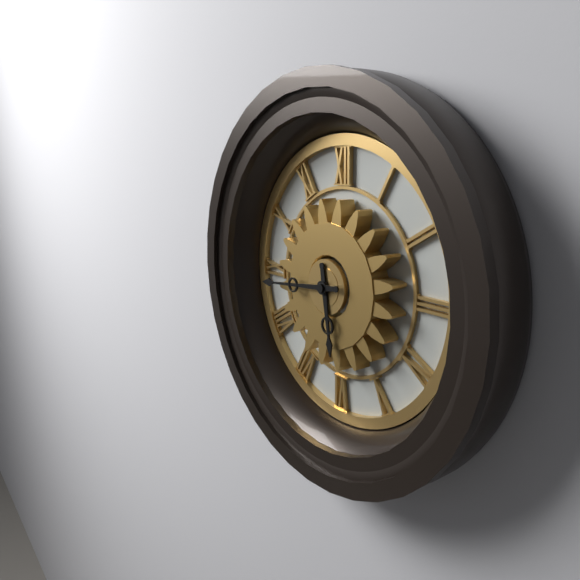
5:44
